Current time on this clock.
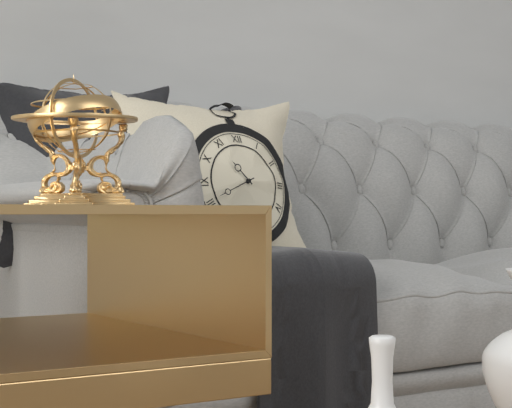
10:41
